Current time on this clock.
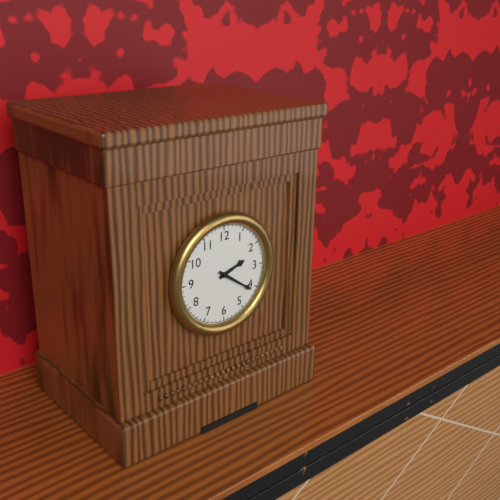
2:21
